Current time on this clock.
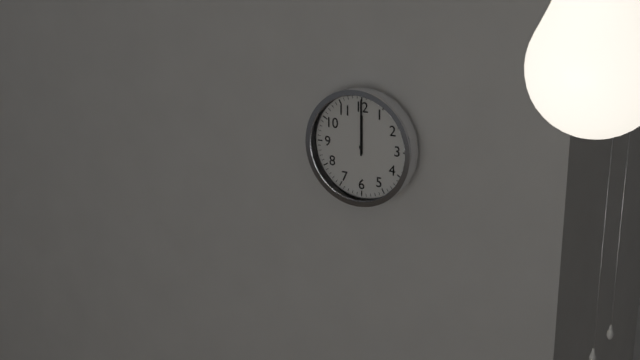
12:00
